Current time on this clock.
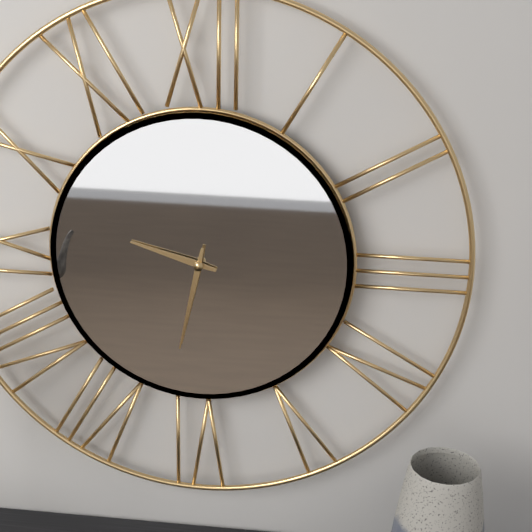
9:32
